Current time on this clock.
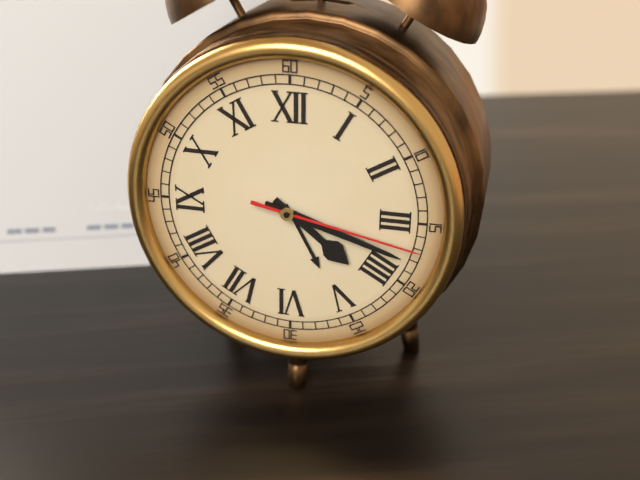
4:18:17
